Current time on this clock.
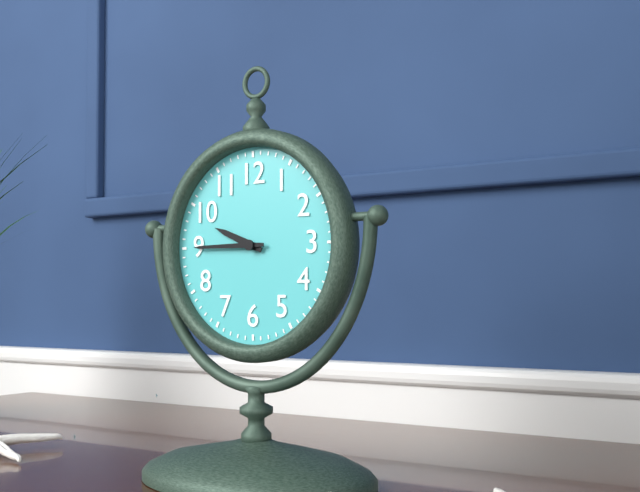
9:45
